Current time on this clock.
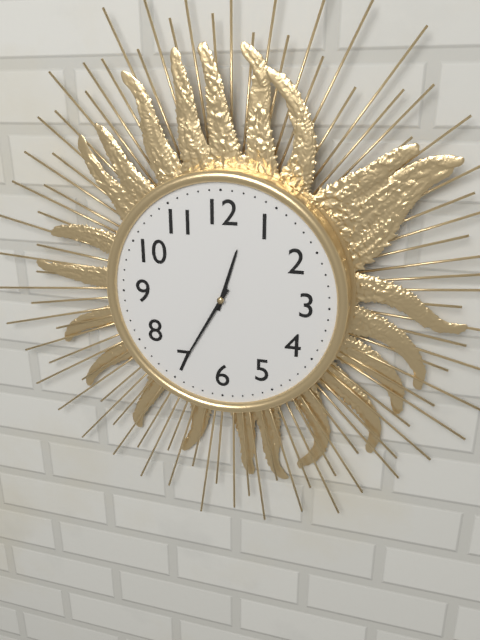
12:35
